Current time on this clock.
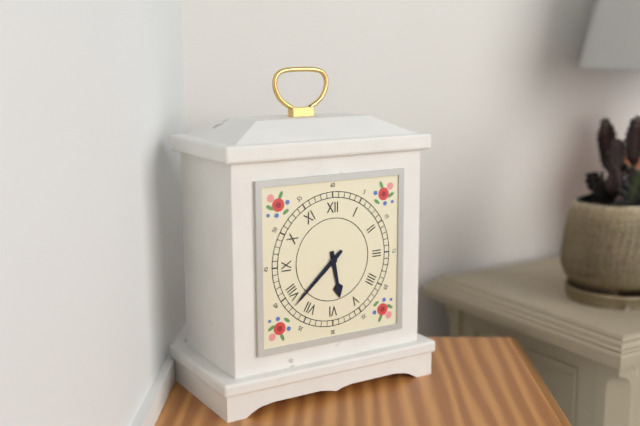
5:38
